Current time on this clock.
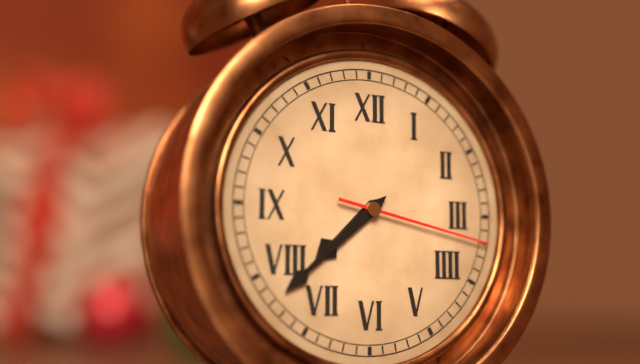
7:38:17
